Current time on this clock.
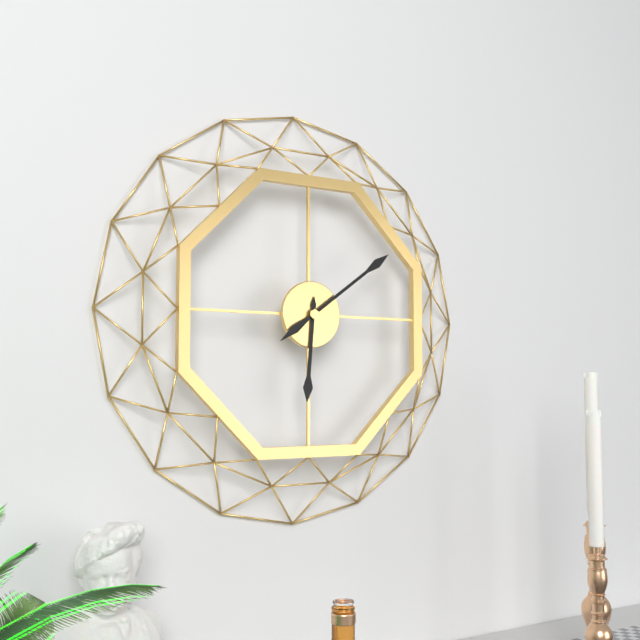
6:09
